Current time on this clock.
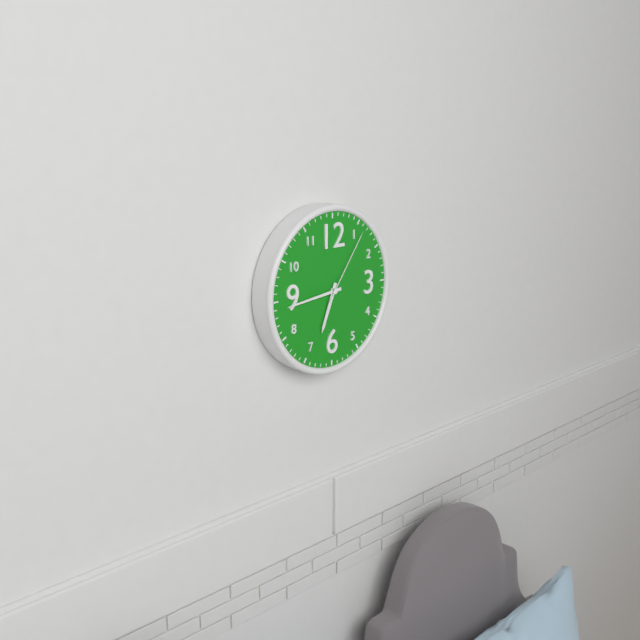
6:44:06
